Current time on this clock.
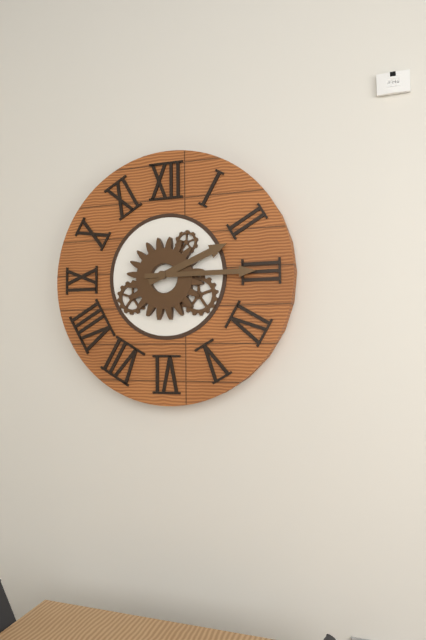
2:15
